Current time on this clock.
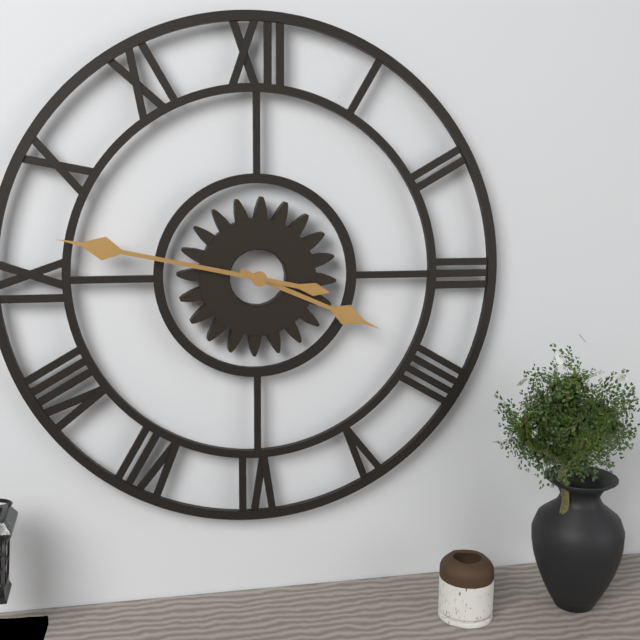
3:47
